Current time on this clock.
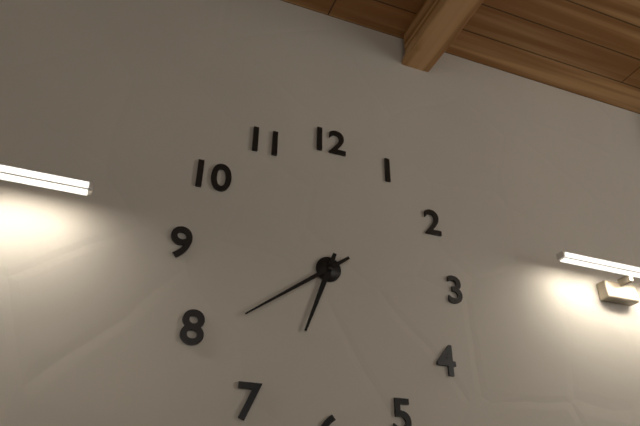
6:39
